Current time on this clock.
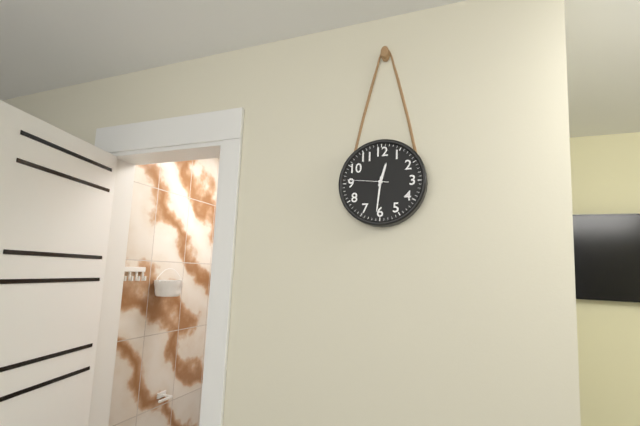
12:31
